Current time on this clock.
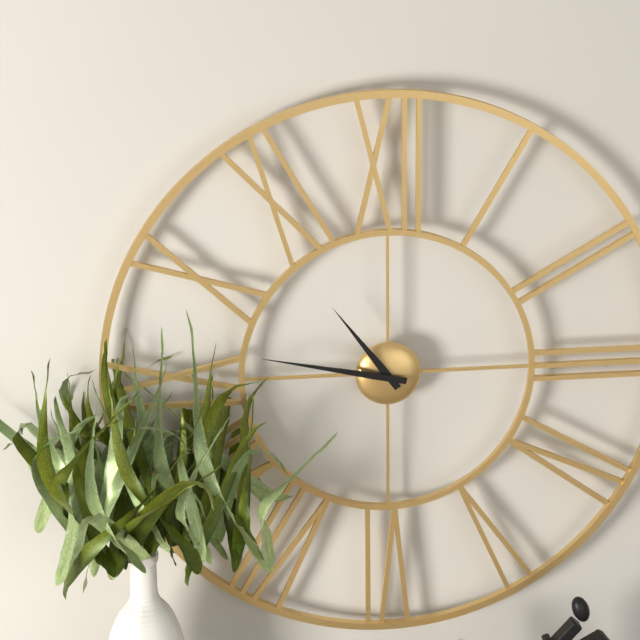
10:47
